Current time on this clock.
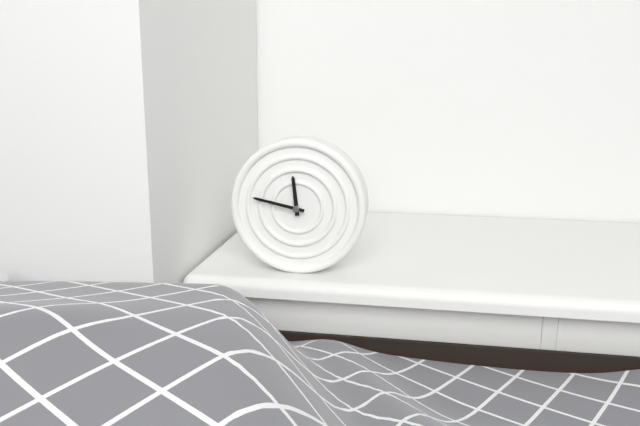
11:47
